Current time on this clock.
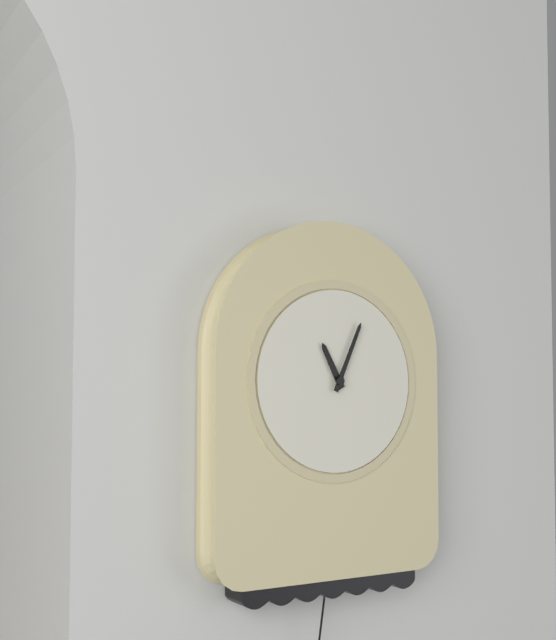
11:04
